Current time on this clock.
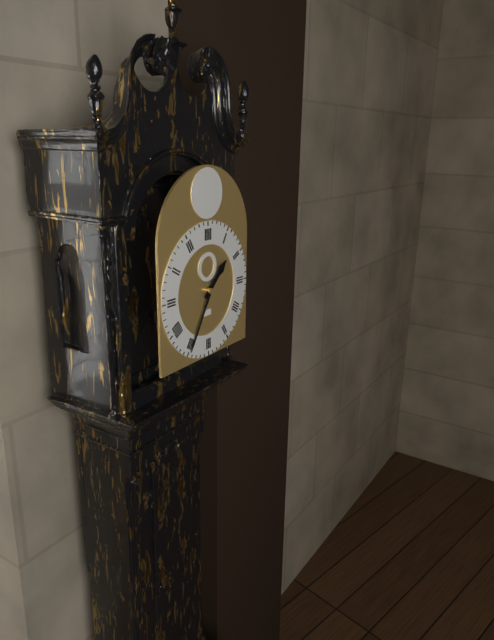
1:35
